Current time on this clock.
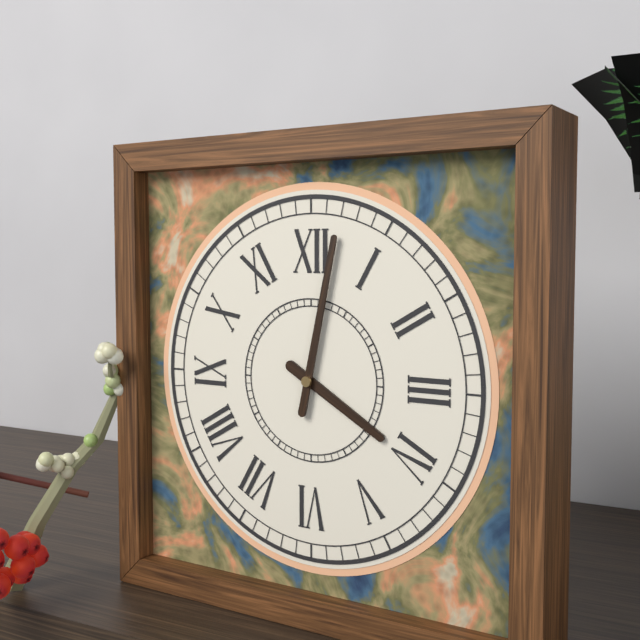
4:02
